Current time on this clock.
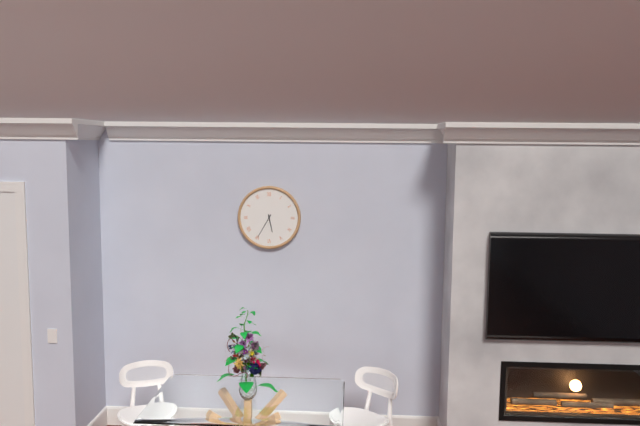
5:35
